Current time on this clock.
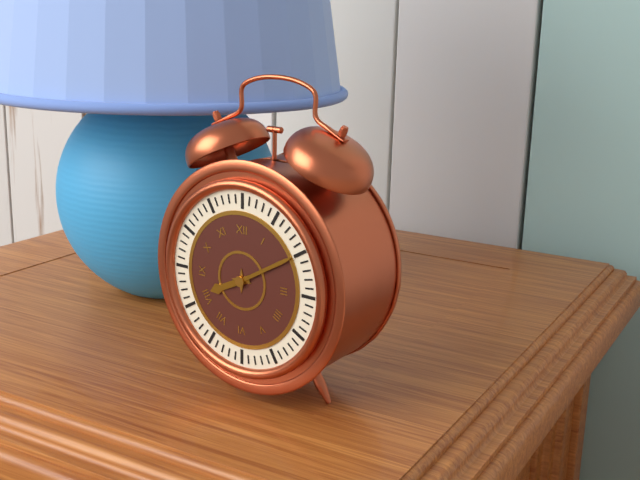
8:10
